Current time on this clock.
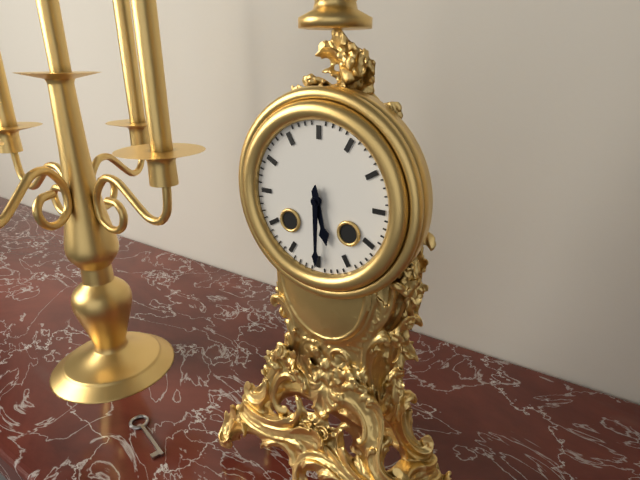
5:30
